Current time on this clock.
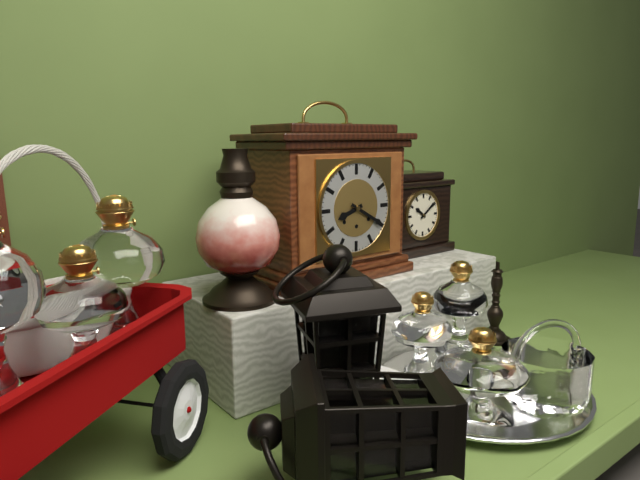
8:20
